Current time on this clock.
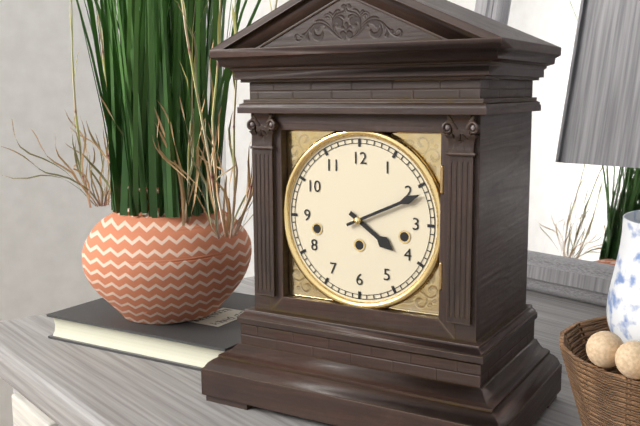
4:11
